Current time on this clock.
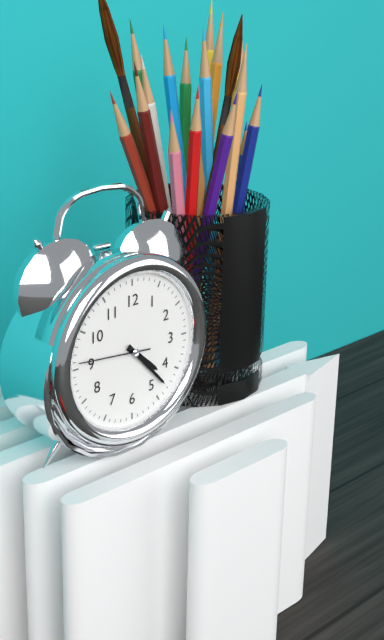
4:23:46
